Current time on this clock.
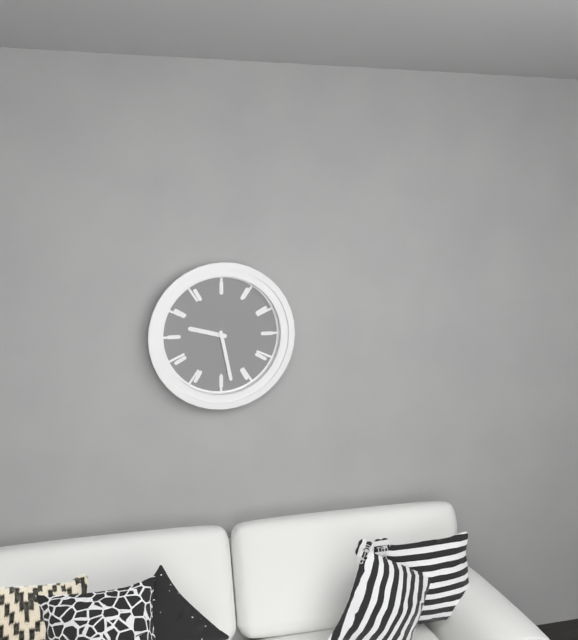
9:28
